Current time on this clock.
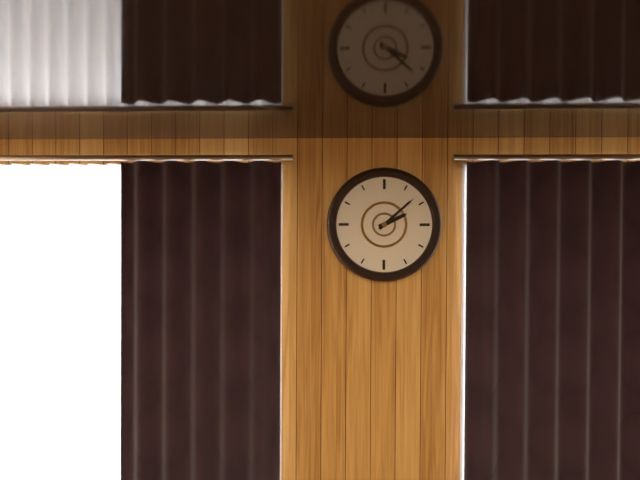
2:08
